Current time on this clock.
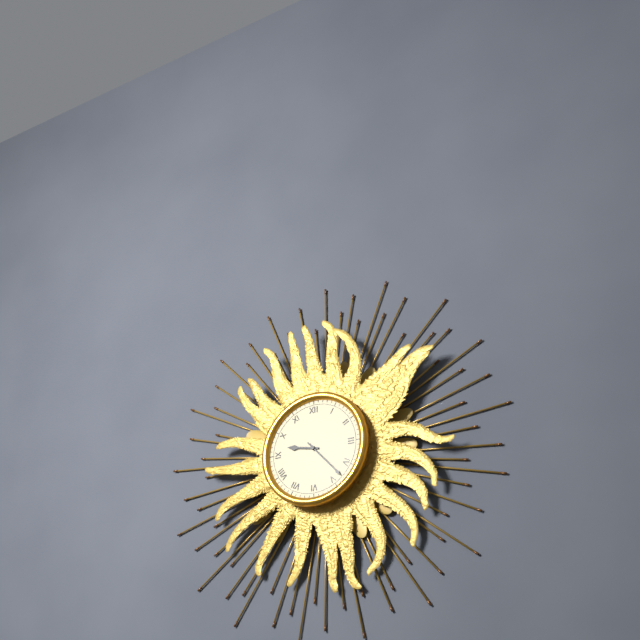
9:23
